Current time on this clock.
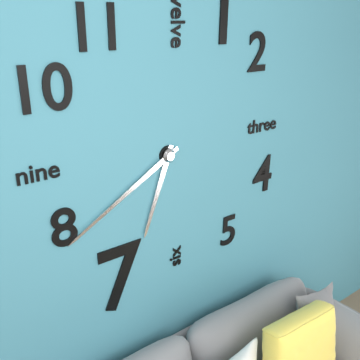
6:40
